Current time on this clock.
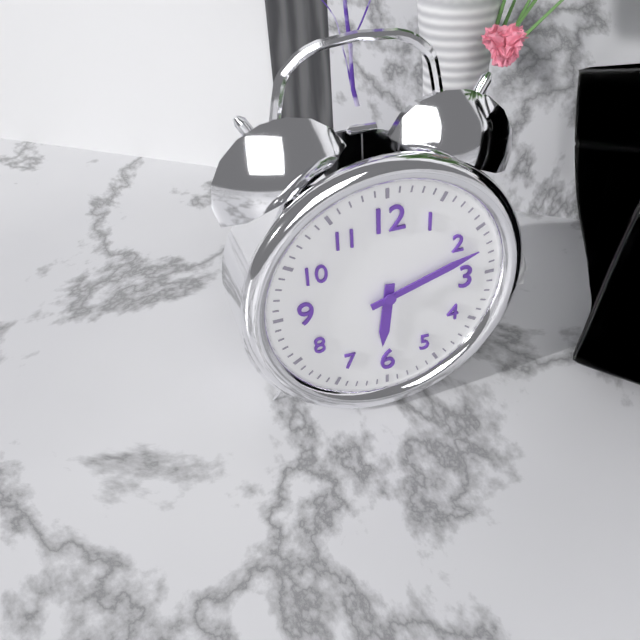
6:12
